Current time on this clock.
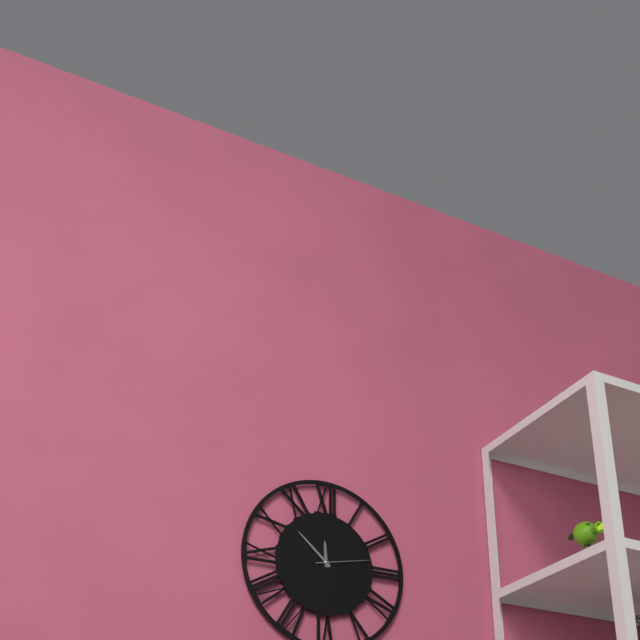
11:52:13
